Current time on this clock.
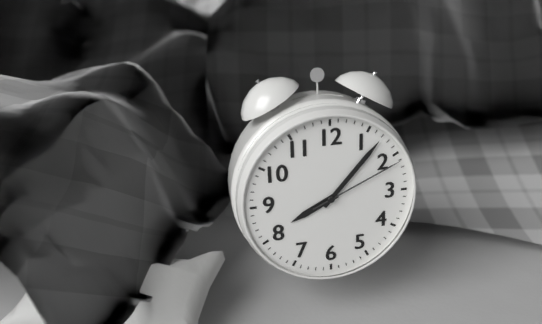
8:07:11
